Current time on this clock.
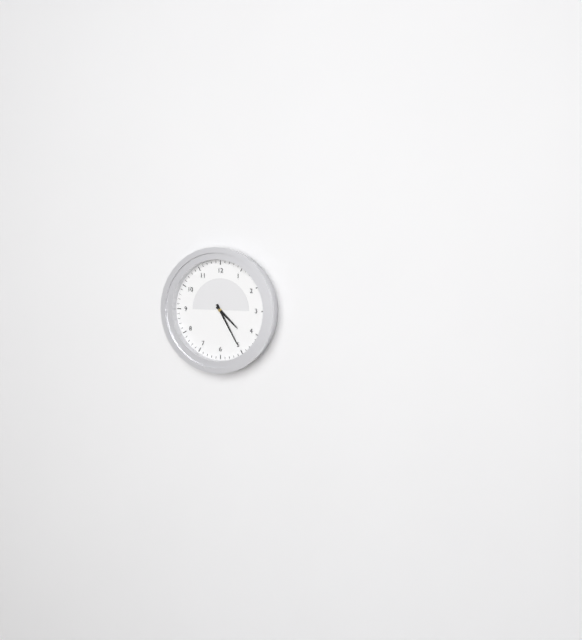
4:25
